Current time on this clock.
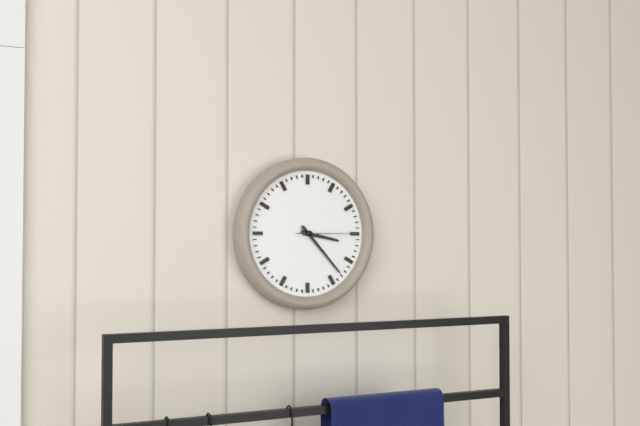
3:23:15
